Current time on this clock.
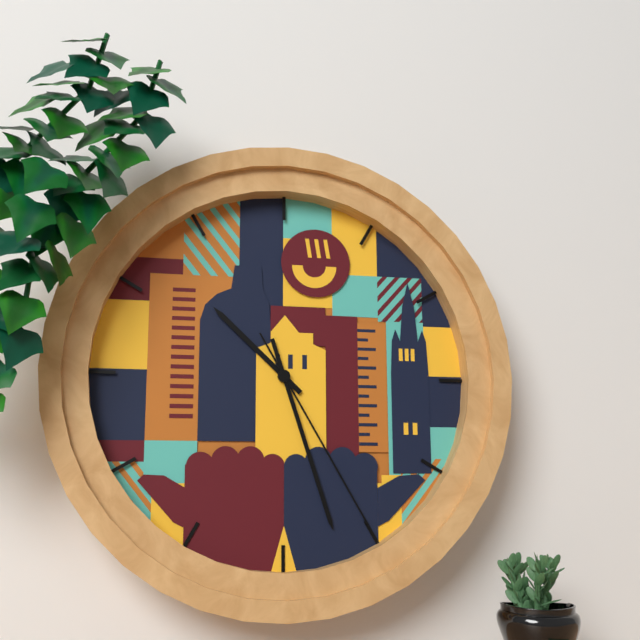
10:27:25
